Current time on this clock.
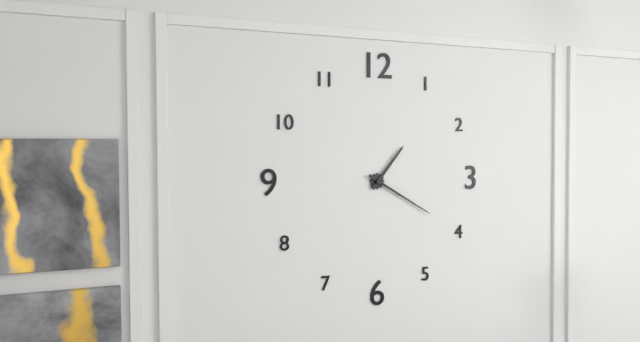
1:20
